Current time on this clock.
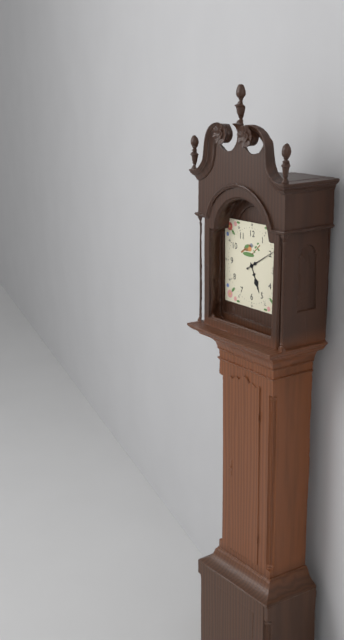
5:10
